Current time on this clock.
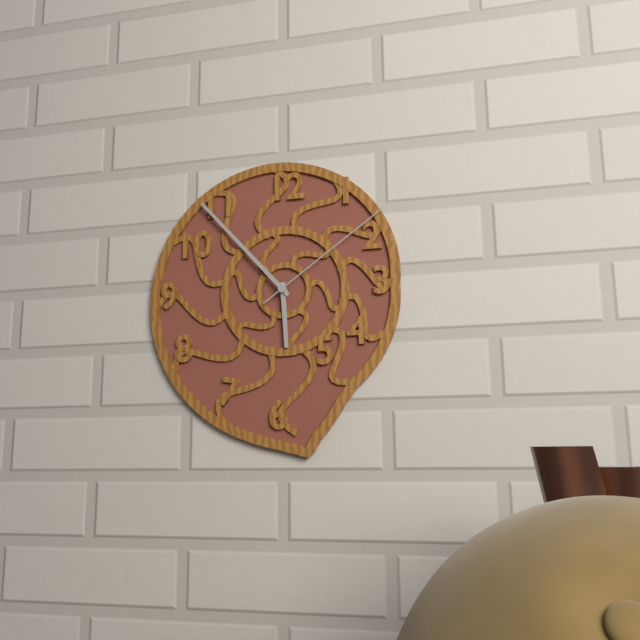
5:53:09
